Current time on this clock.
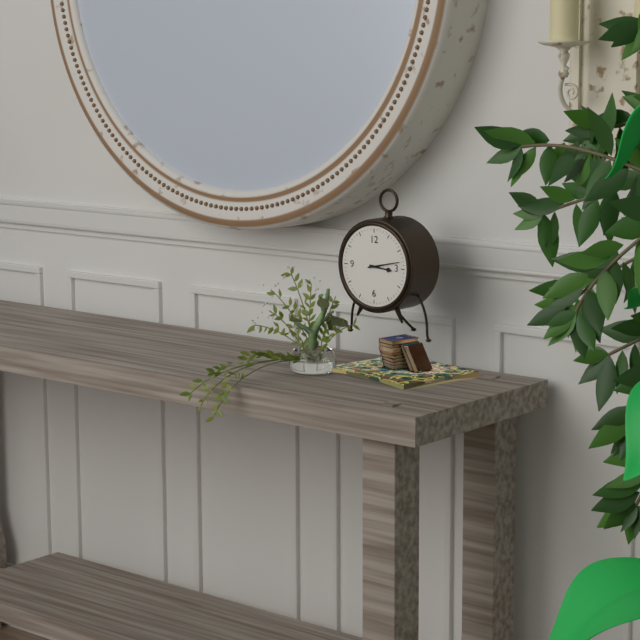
3:13
